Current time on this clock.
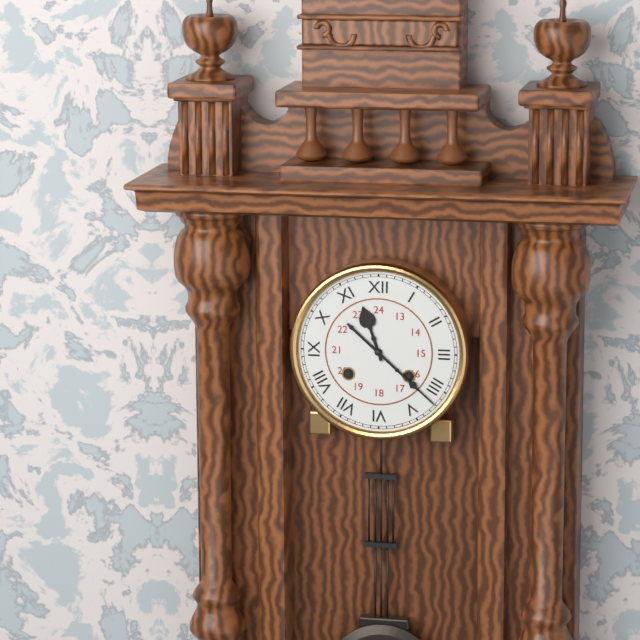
11:22
